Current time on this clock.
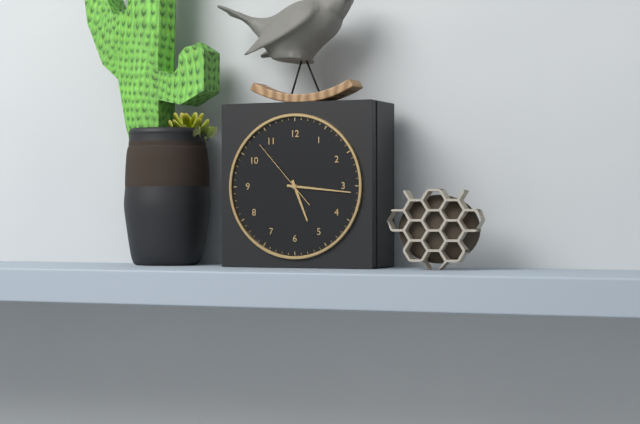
5:16:53
